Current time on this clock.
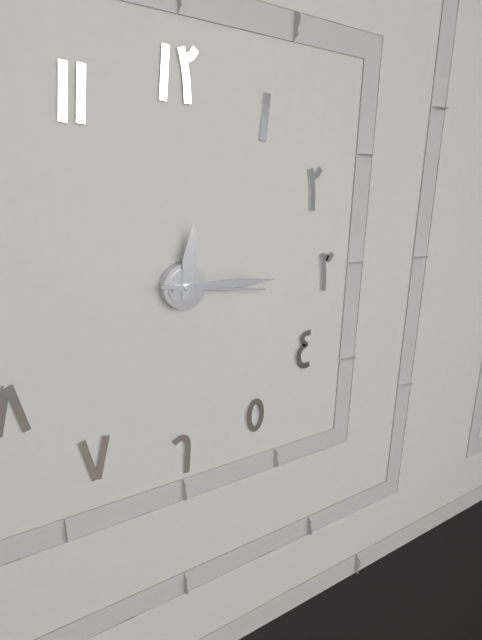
12:15:16
